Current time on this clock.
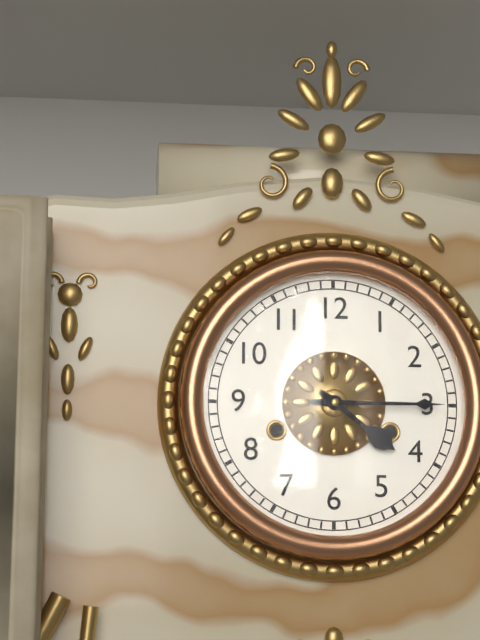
4:15
